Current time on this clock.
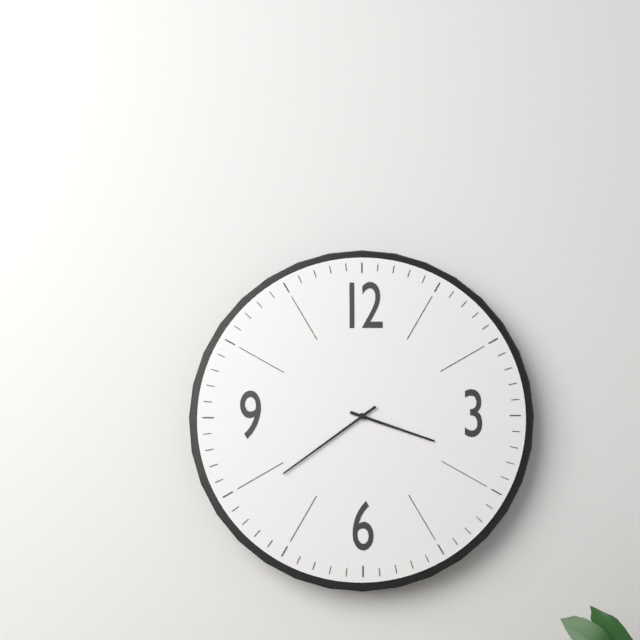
3:39
